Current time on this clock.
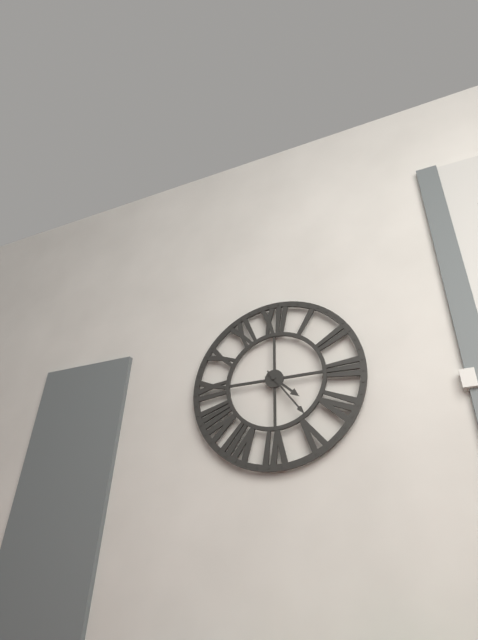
4:24
